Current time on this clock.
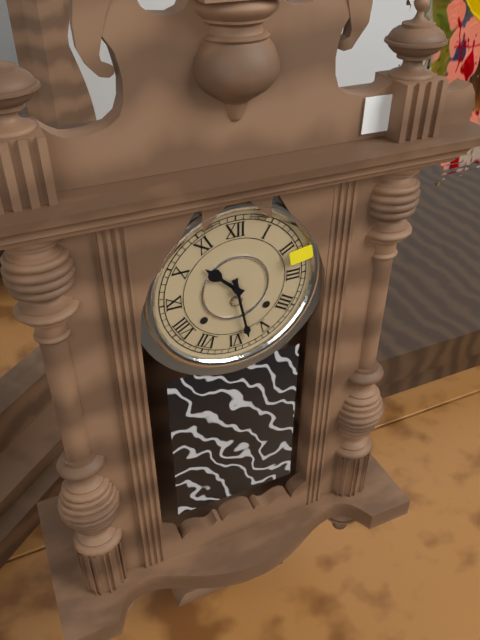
10:28
